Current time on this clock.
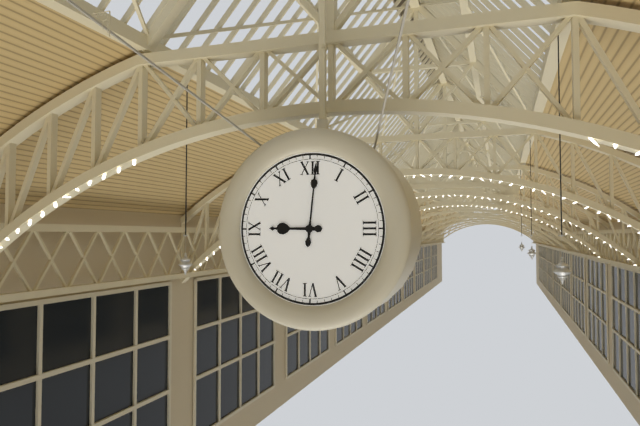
9:01
